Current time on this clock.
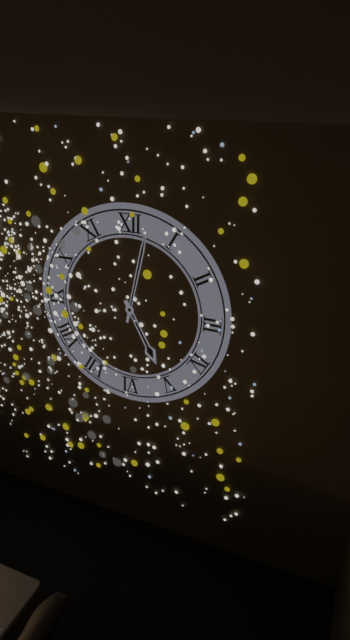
5:02
